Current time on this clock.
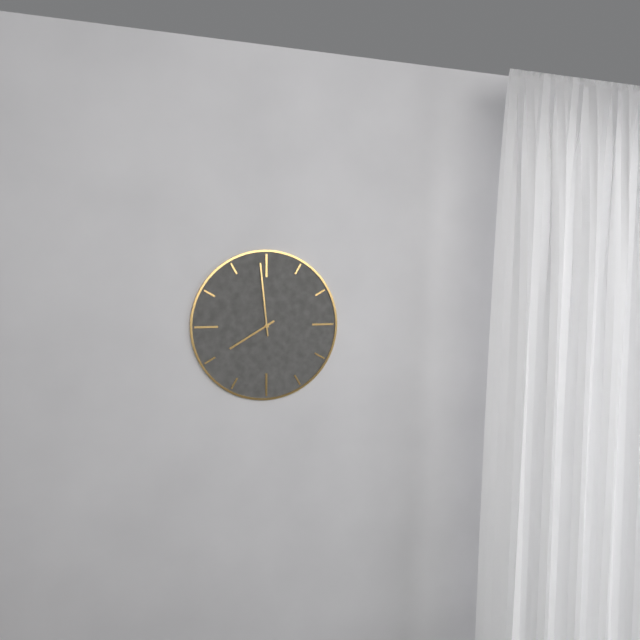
7:59
